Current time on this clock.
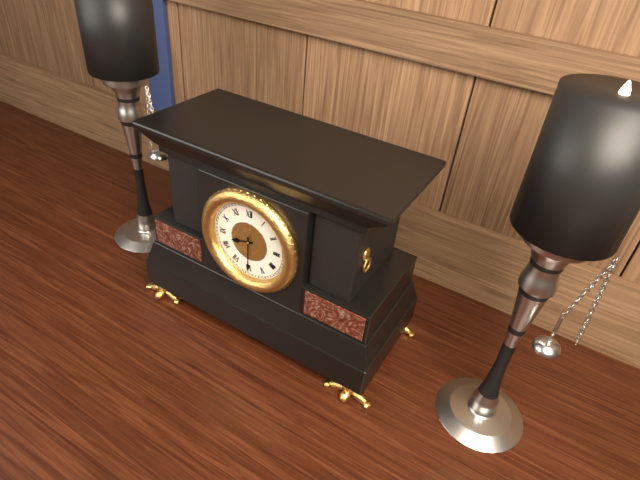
8:30
